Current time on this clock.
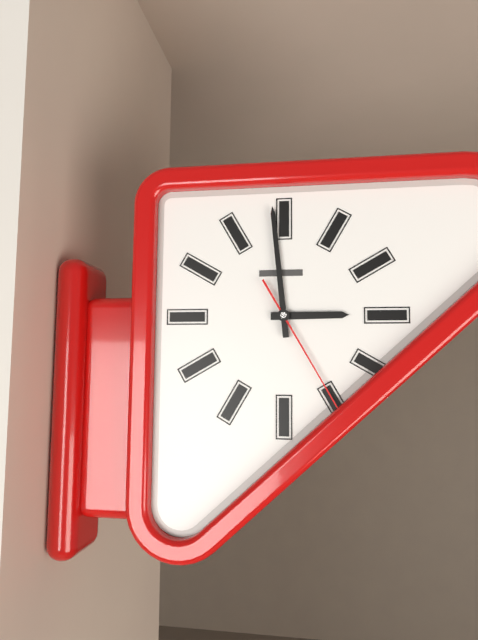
2:59:25
